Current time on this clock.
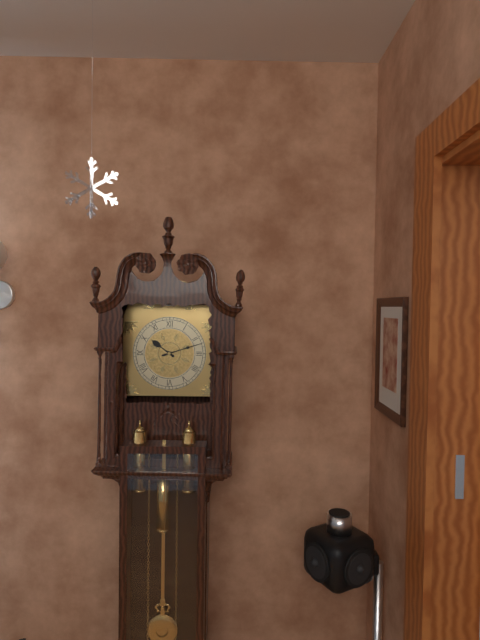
10:12
